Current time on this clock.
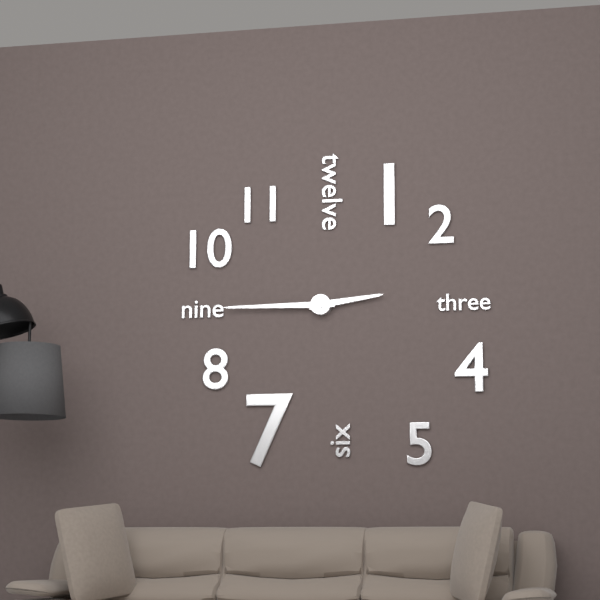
2:45
